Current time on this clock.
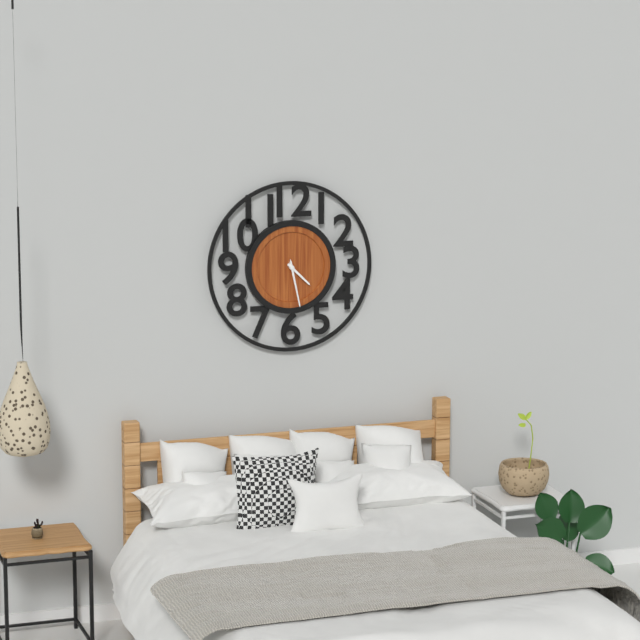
4:28
